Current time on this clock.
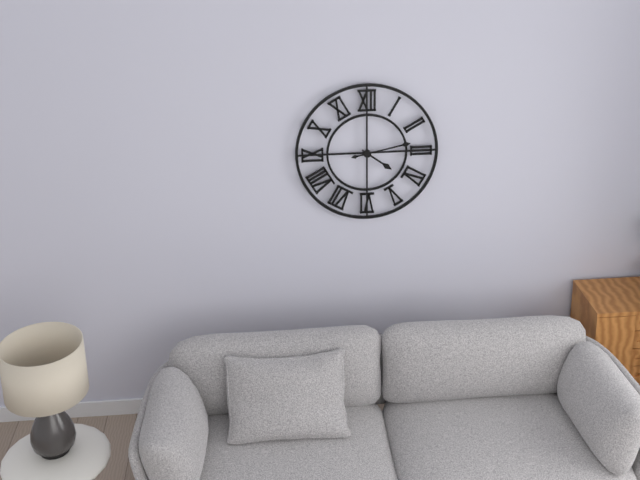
4:13
